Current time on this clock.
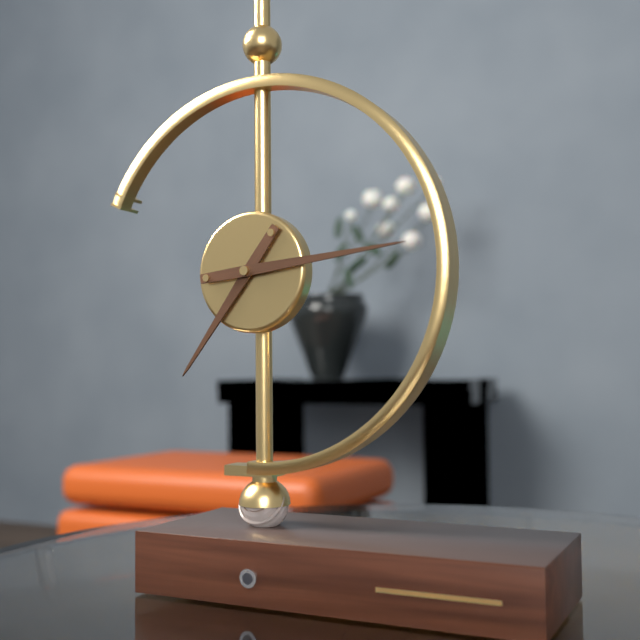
7:14
